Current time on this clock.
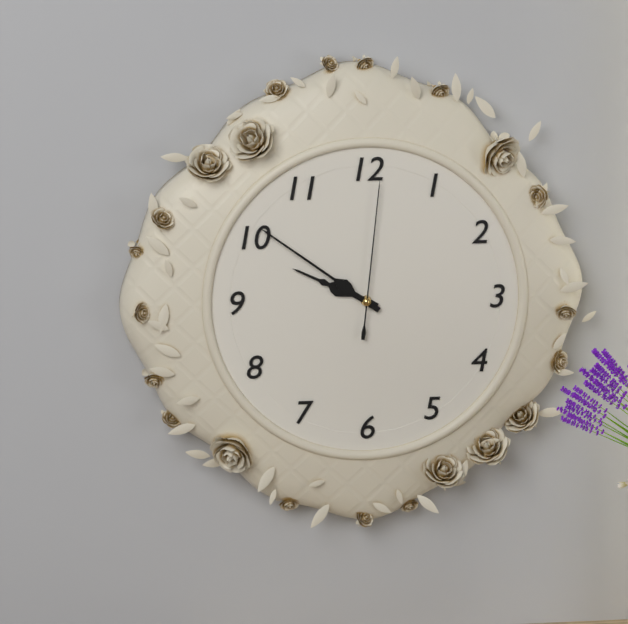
9:51:01
